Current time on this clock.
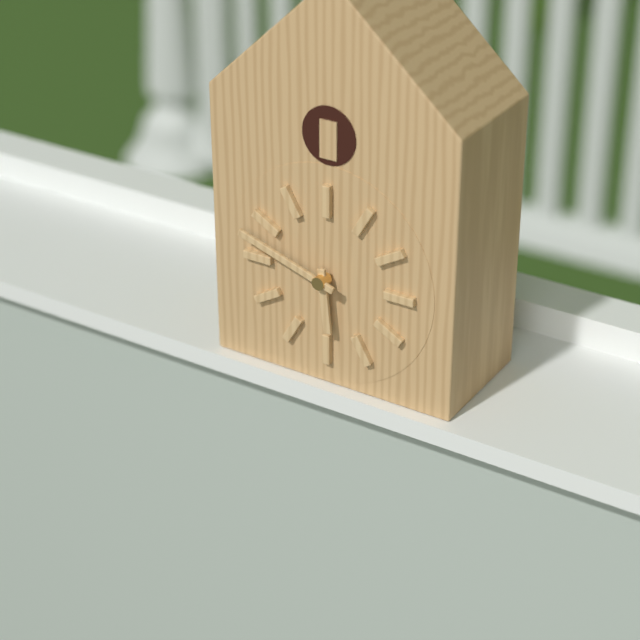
5:48
